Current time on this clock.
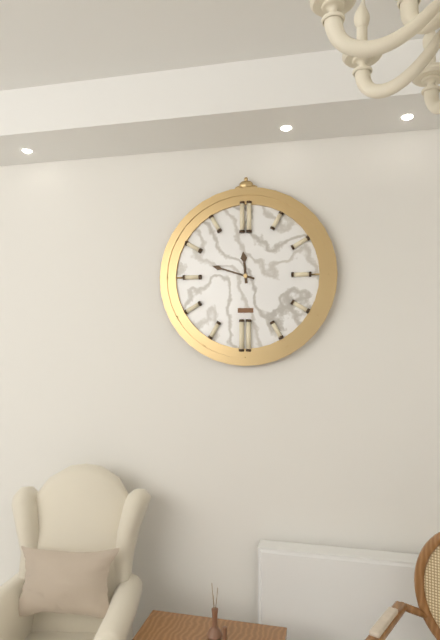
11:48
